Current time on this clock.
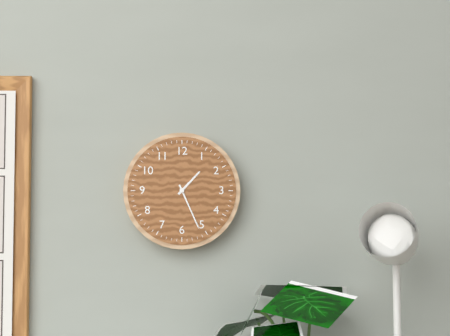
1:26
